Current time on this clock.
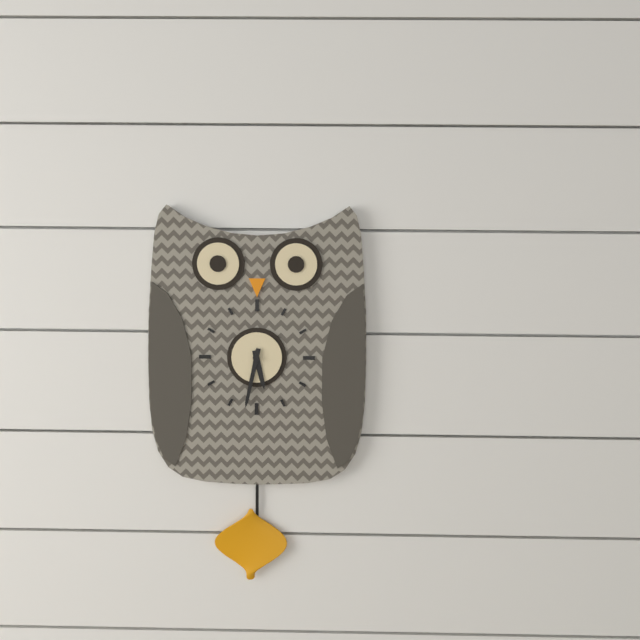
5:32
